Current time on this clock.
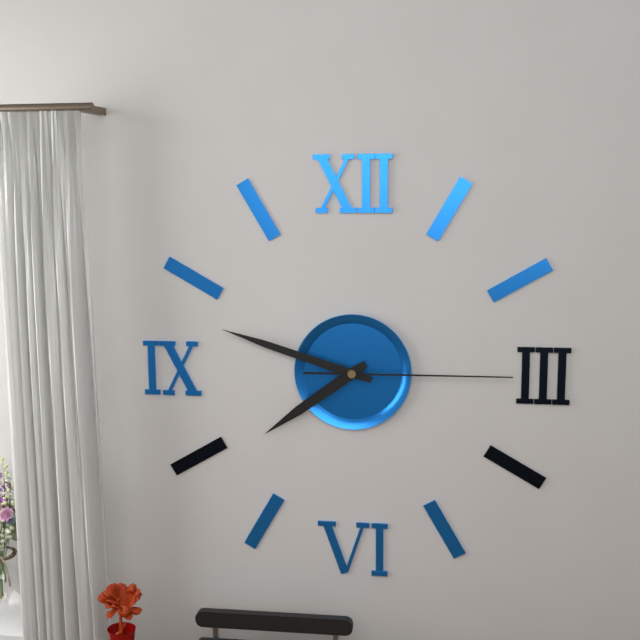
7:48:15
